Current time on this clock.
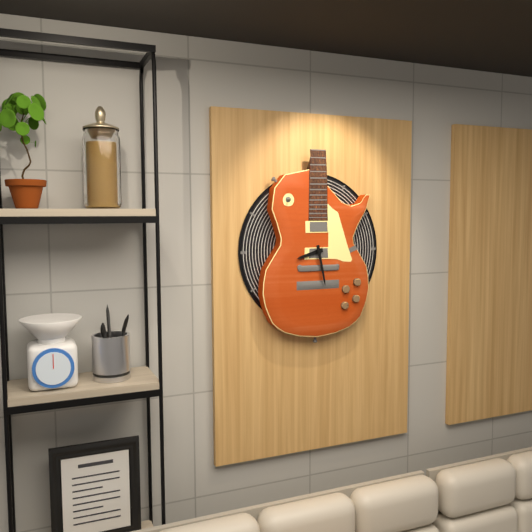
8:28
